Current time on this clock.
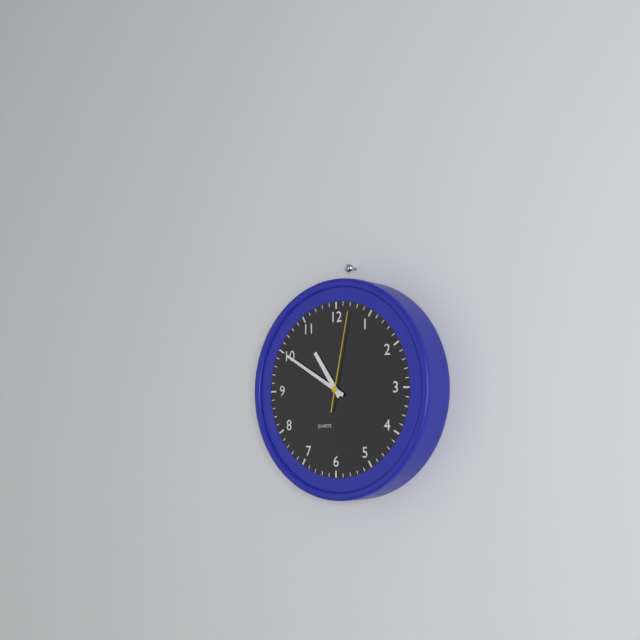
10:50:02
